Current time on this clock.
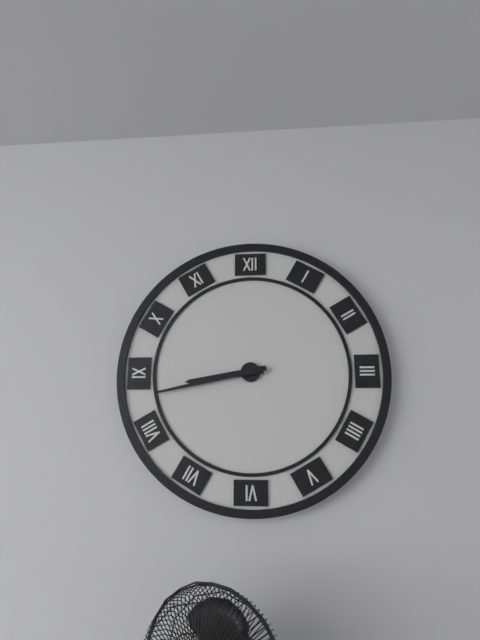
8:43
